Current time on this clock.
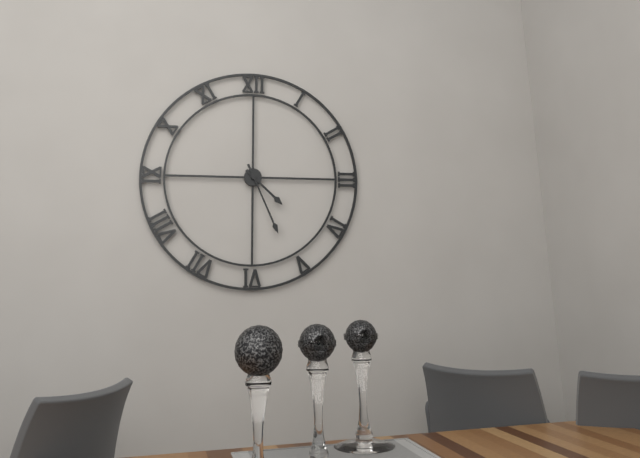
4:26
